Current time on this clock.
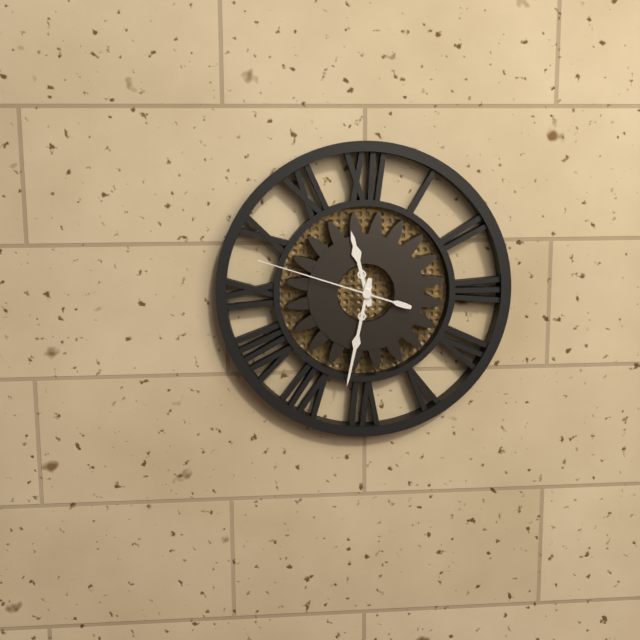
11:32:48
